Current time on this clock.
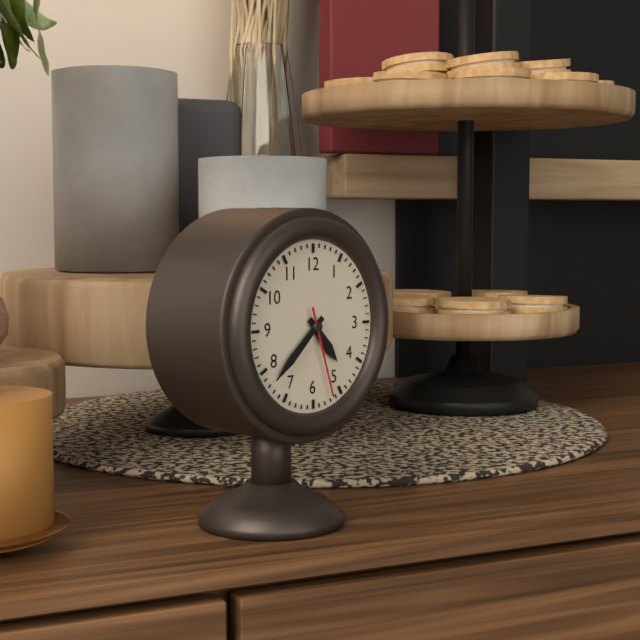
4:38:27
